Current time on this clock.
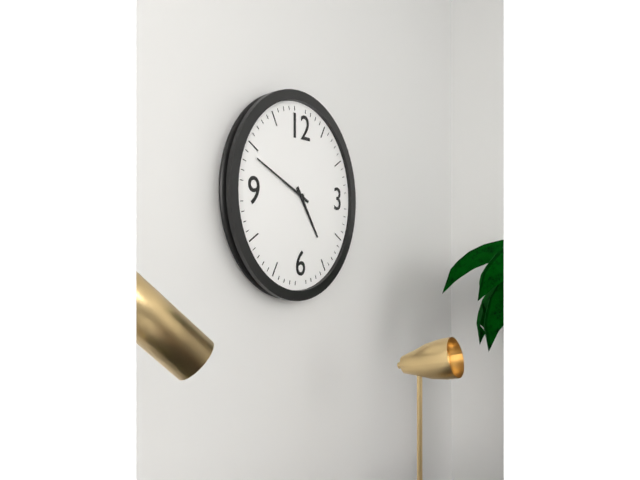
4:49
